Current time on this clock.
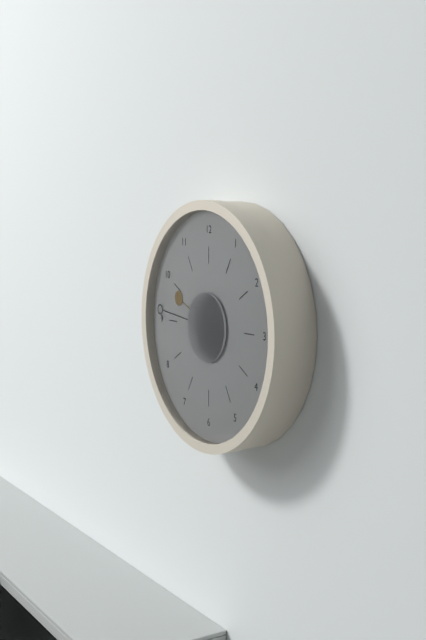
9:46
